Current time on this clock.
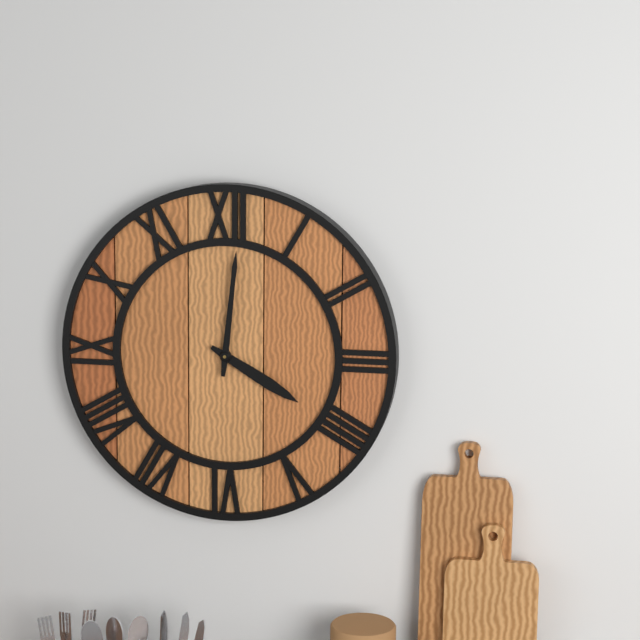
4:01
